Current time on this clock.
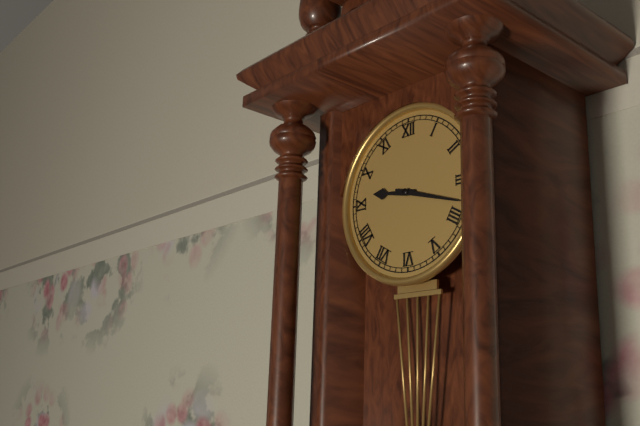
9:18
